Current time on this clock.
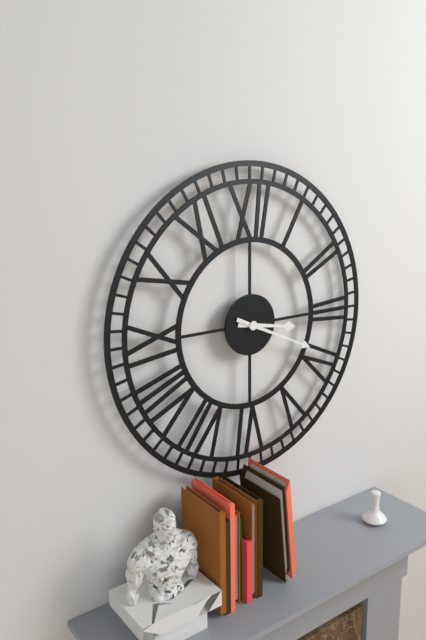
3:19
